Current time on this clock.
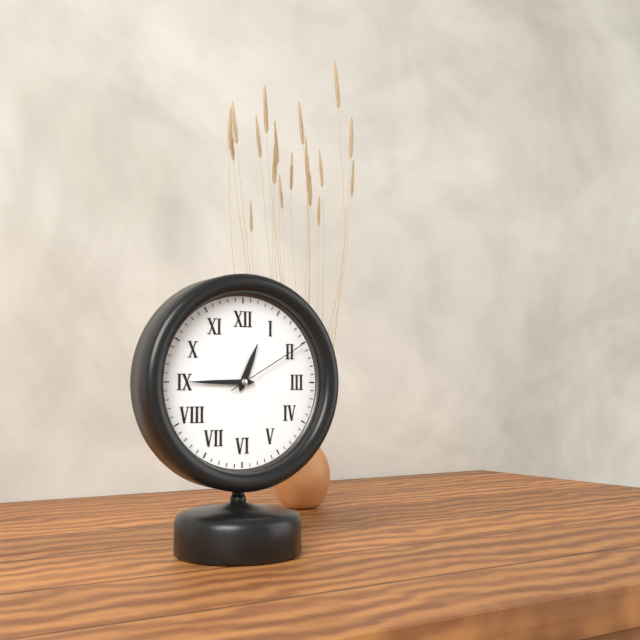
12:45:10
